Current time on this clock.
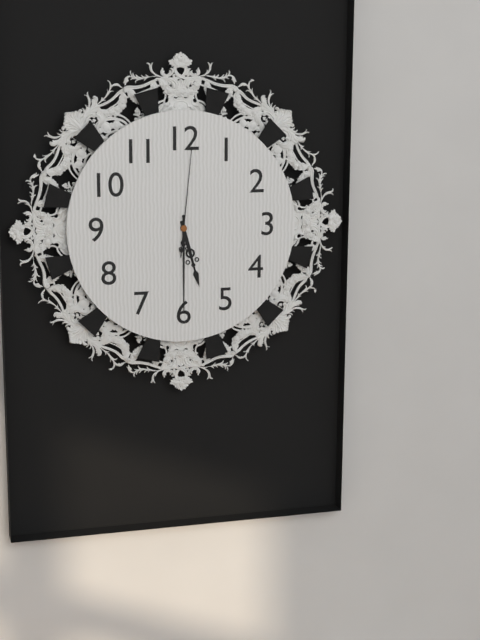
5:30:01
